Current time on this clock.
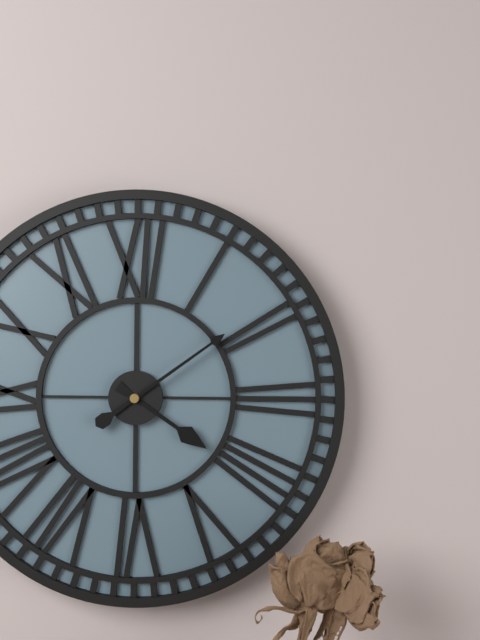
4:09
